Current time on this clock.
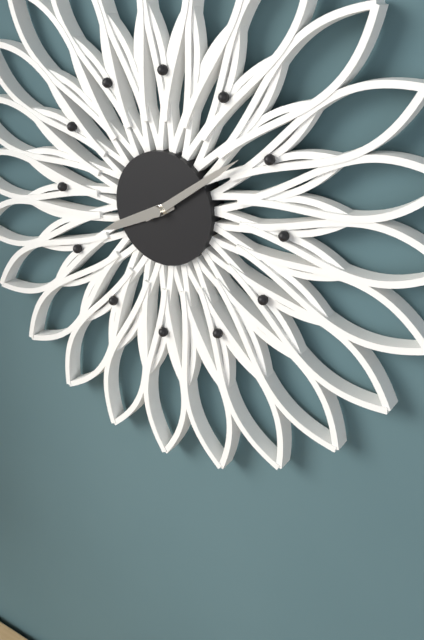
8:09
